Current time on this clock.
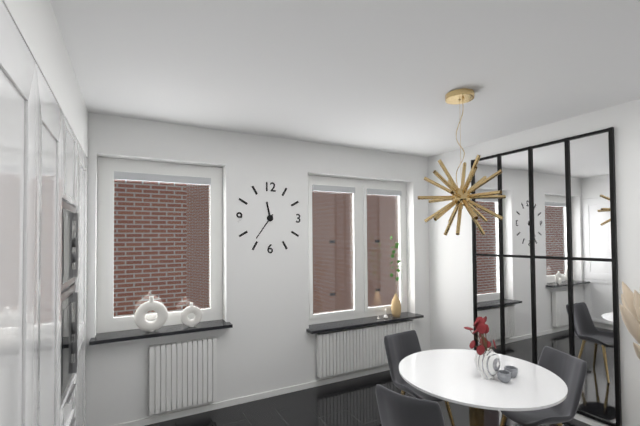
11:36
